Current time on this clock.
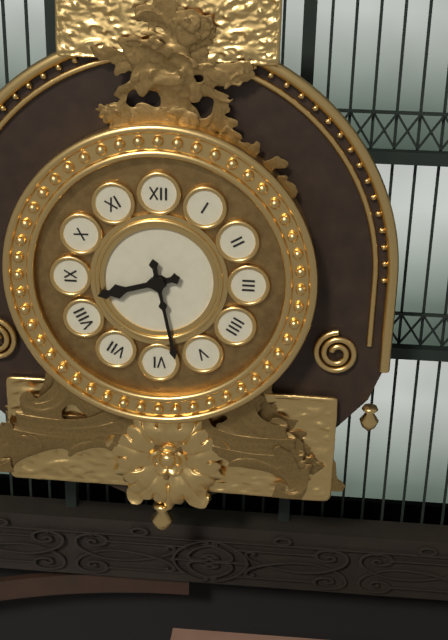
8:28
